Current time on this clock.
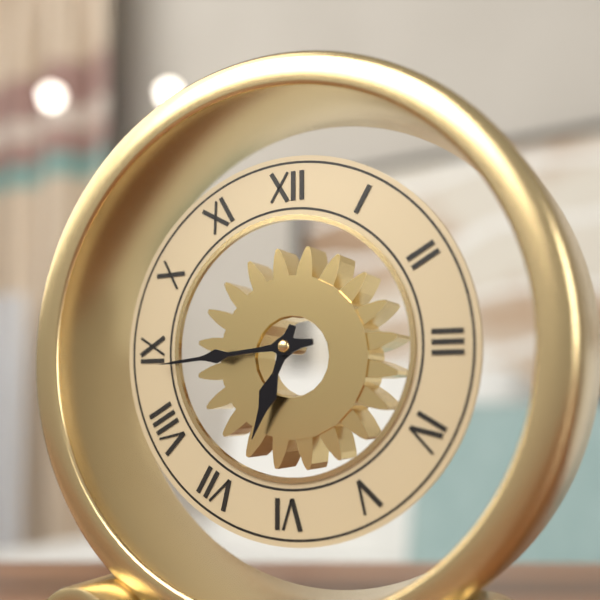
6:44
